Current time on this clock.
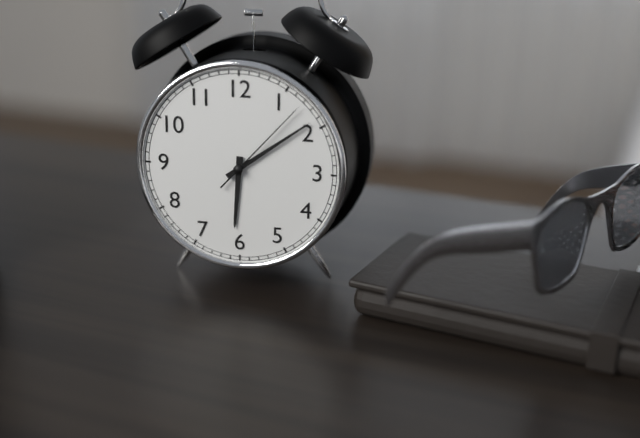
6:09:07
